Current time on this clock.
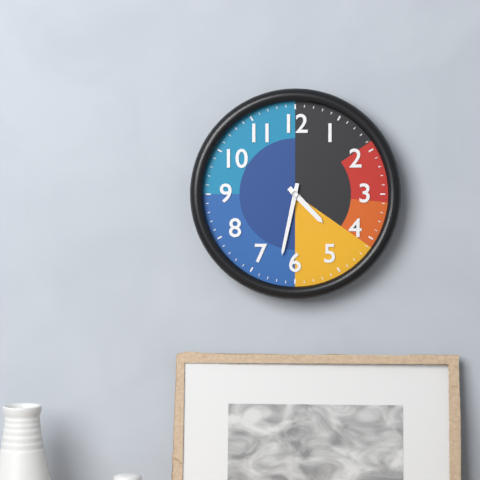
4:32
